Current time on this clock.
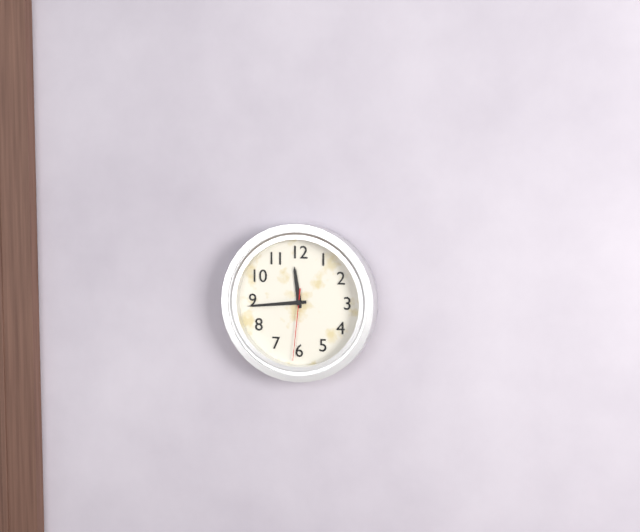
11:44:31
